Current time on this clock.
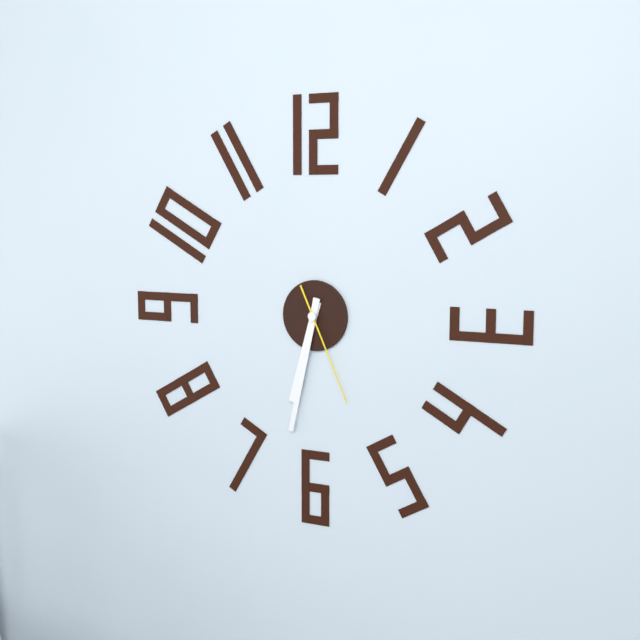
6:32:26
